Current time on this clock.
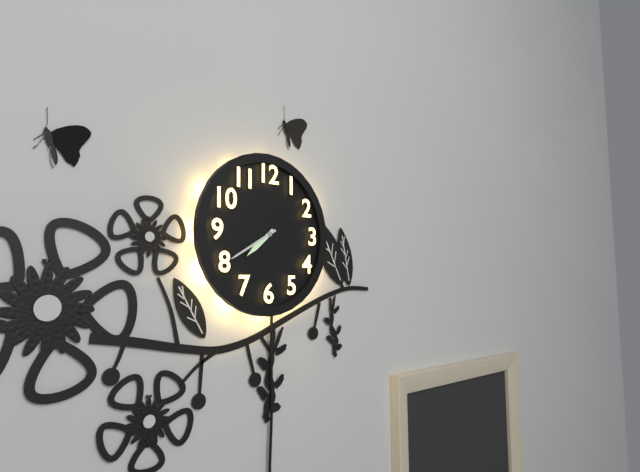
7:40
